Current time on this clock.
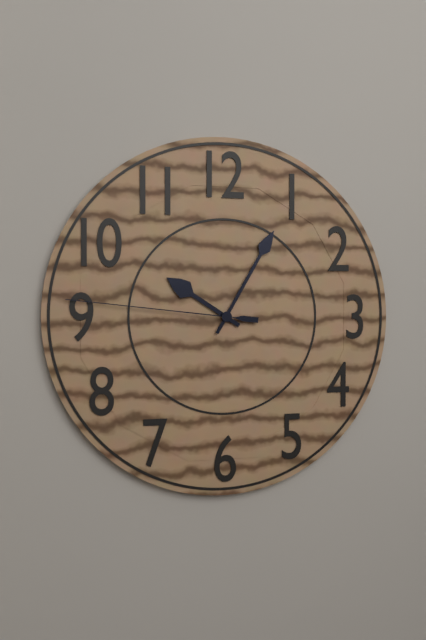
10:05:46
